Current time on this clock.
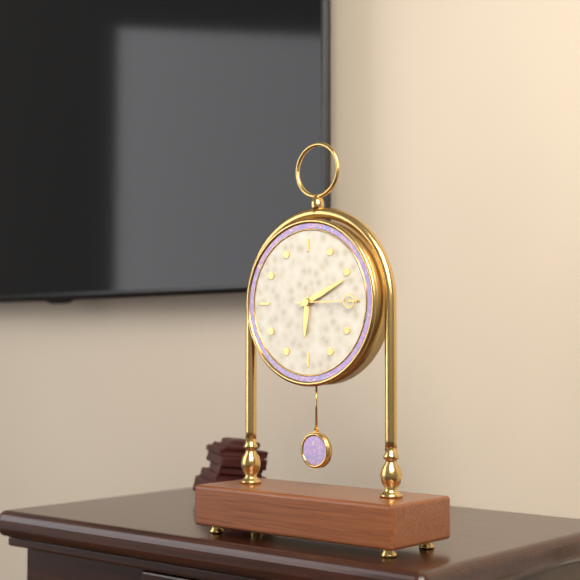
6:11:15
